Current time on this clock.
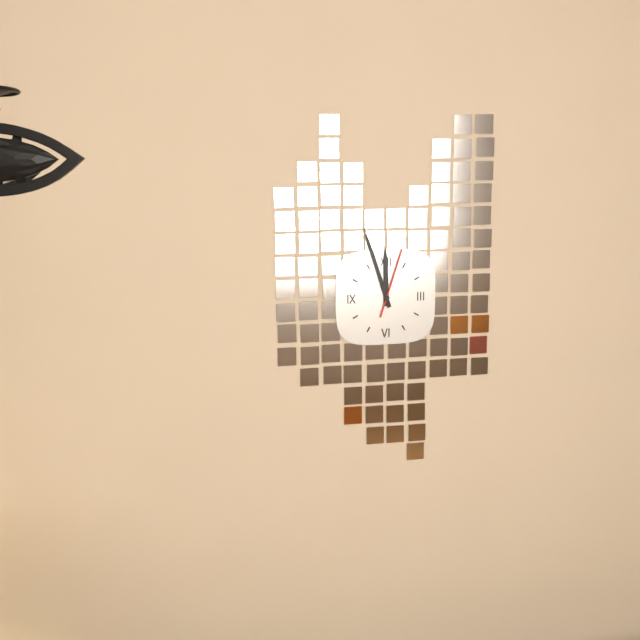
11:57:03
